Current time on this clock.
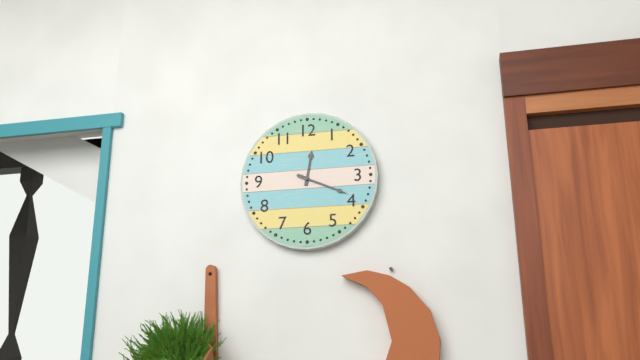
12:19
